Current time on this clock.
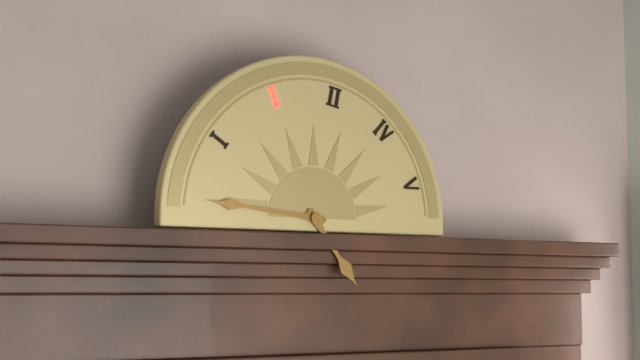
4:46
